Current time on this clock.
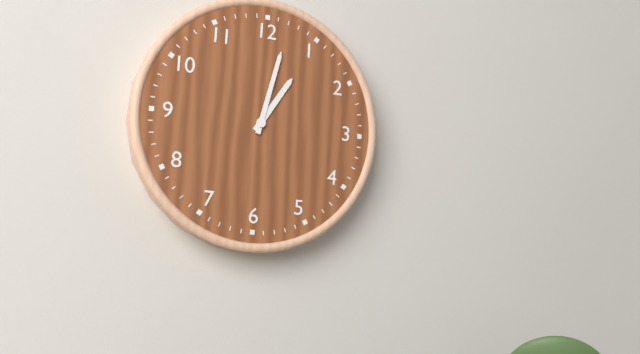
1:02
